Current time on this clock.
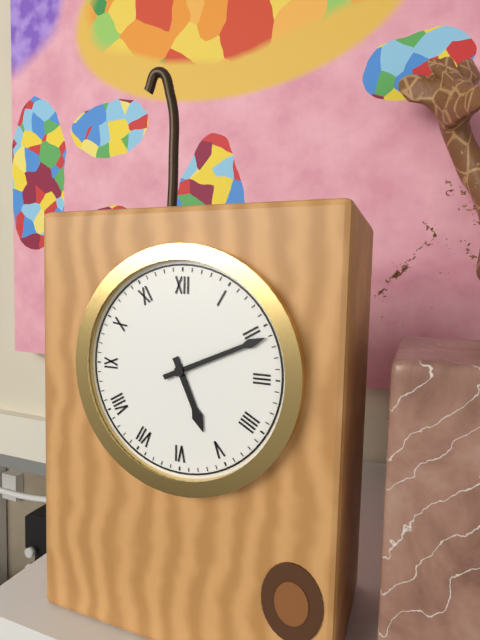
5:11
